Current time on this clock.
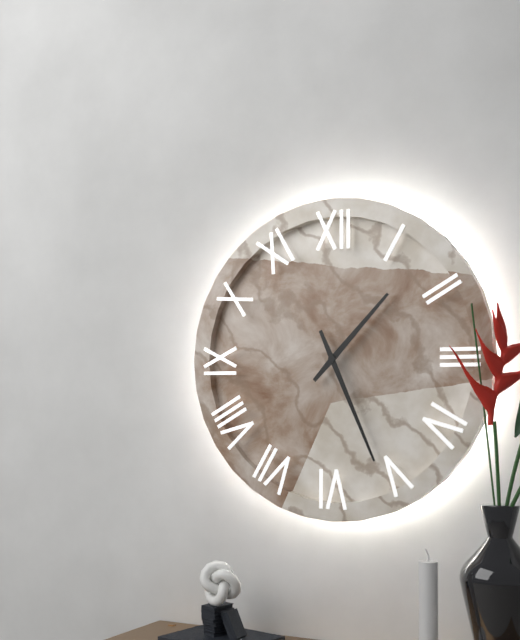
1:26
